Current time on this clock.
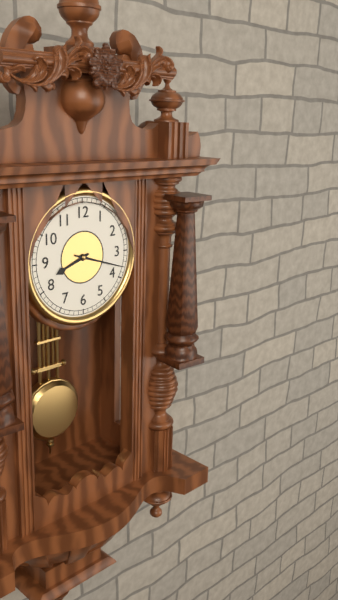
8:18
